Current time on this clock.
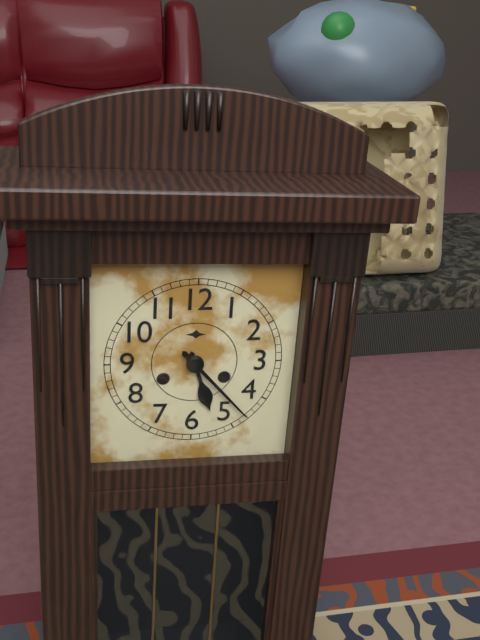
5:23
